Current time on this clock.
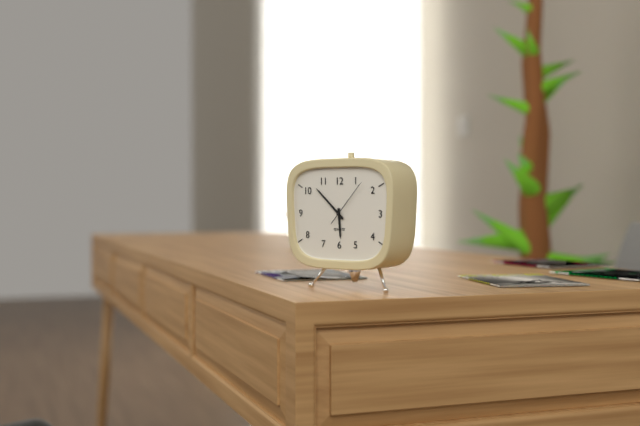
5:52
